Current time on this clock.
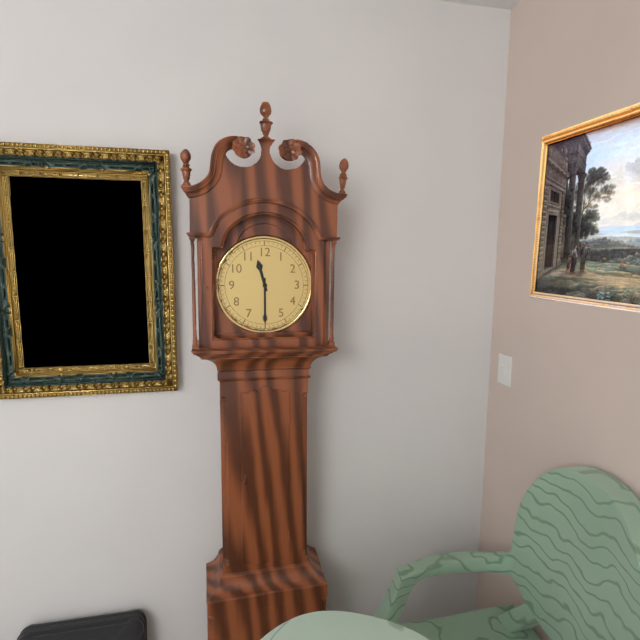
11:30
